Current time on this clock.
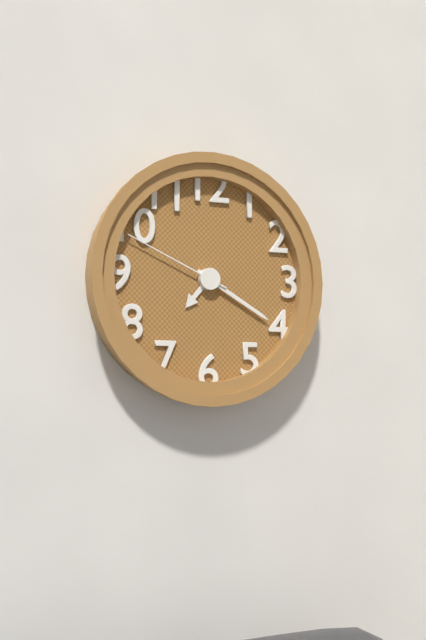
7:20:49
